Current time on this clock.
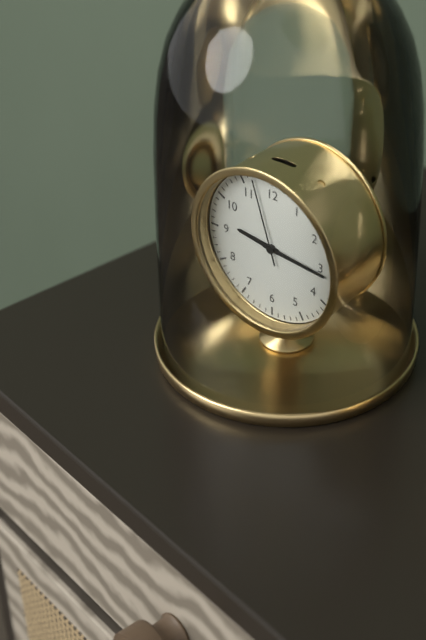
9:16:57
